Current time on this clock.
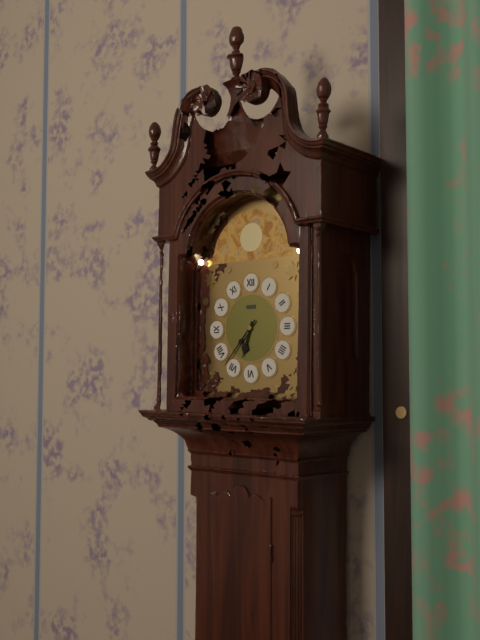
6:37
